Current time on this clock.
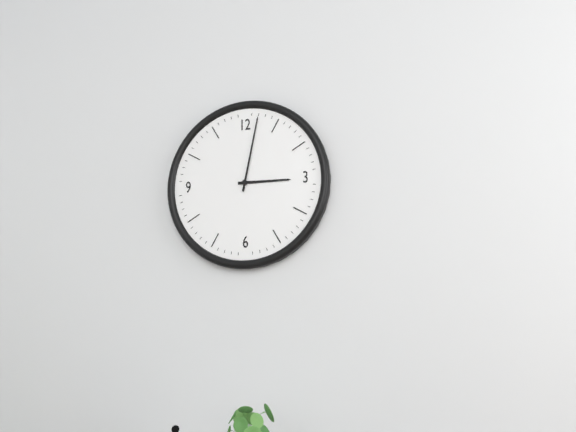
3:02
